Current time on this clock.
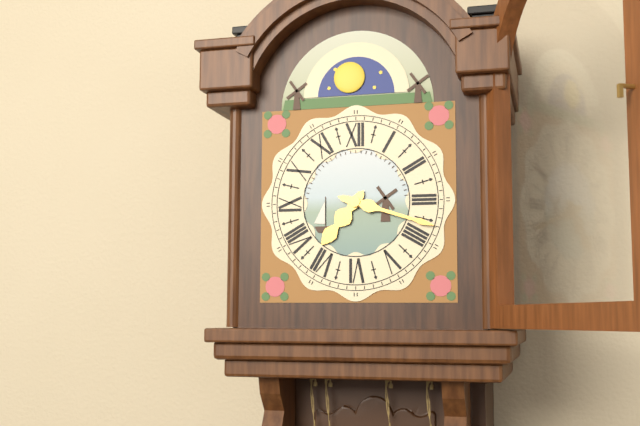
7:18
